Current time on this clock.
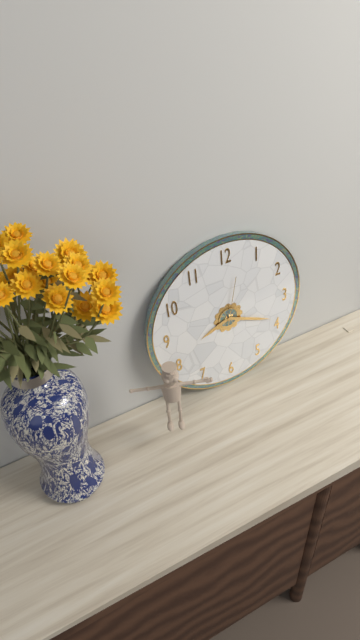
8:19:02
